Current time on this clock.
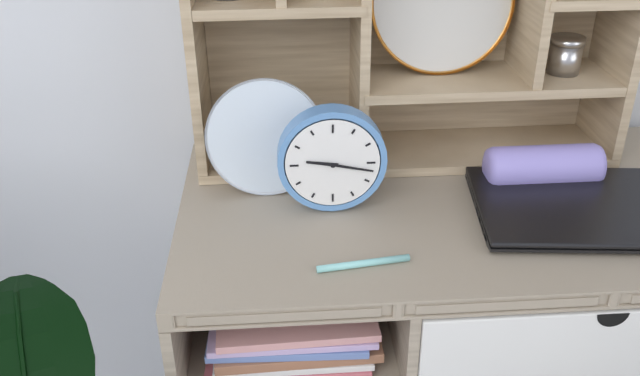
9:17
